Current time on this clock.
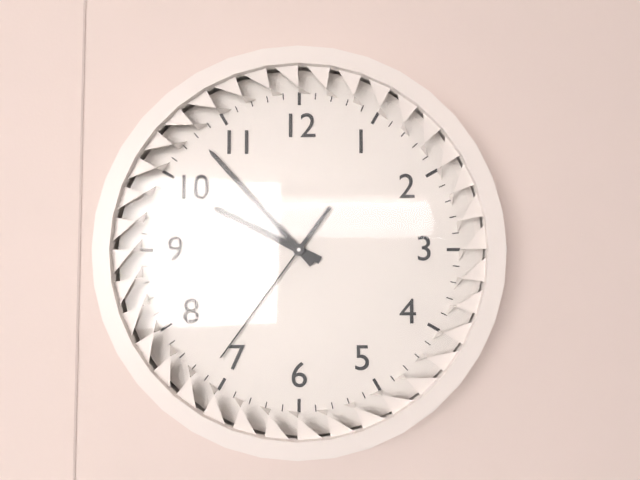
9:53:36
